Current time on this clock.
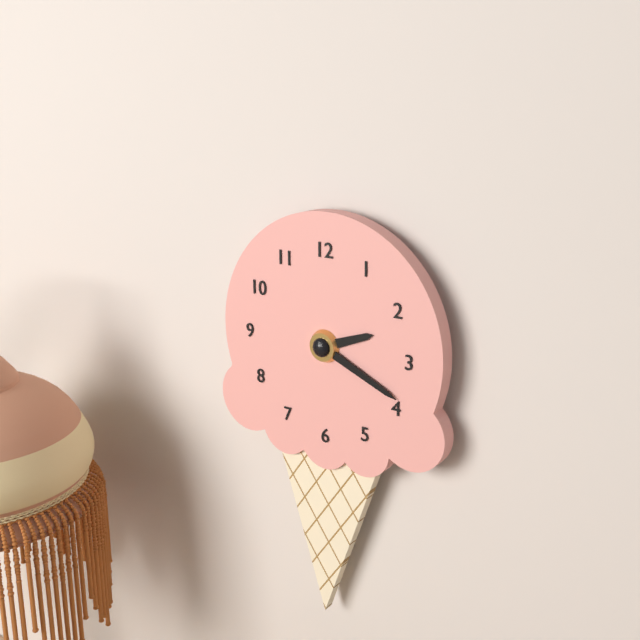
2:19
